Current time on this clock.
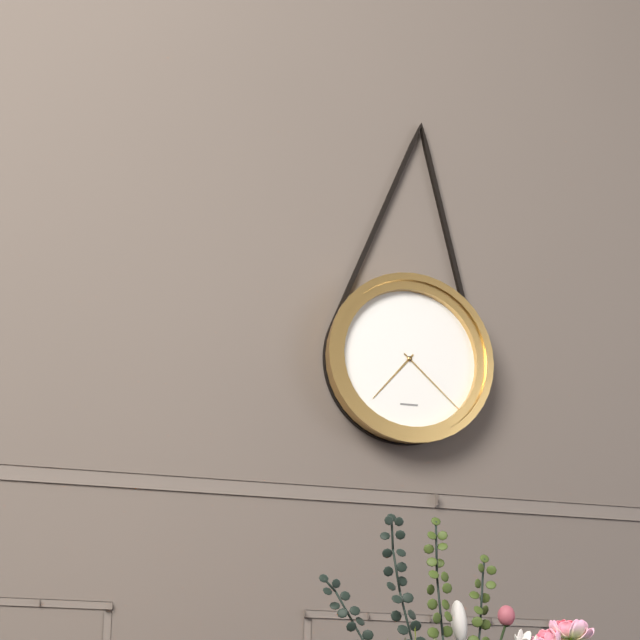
7:22
